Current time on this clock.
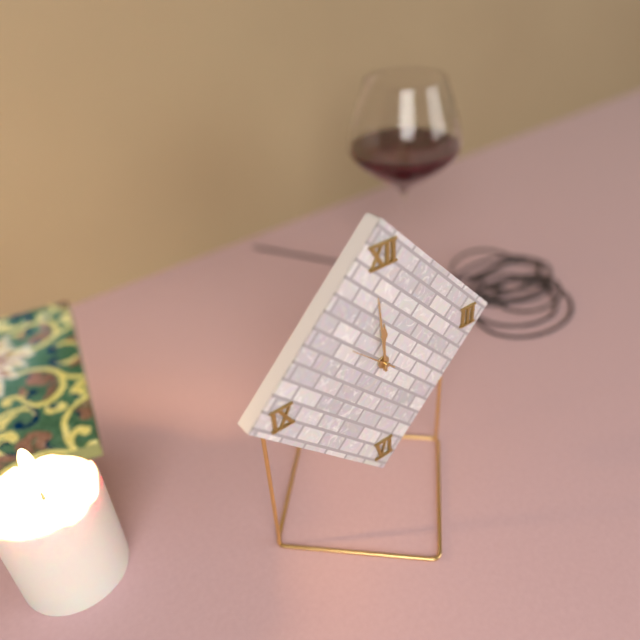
11:59
